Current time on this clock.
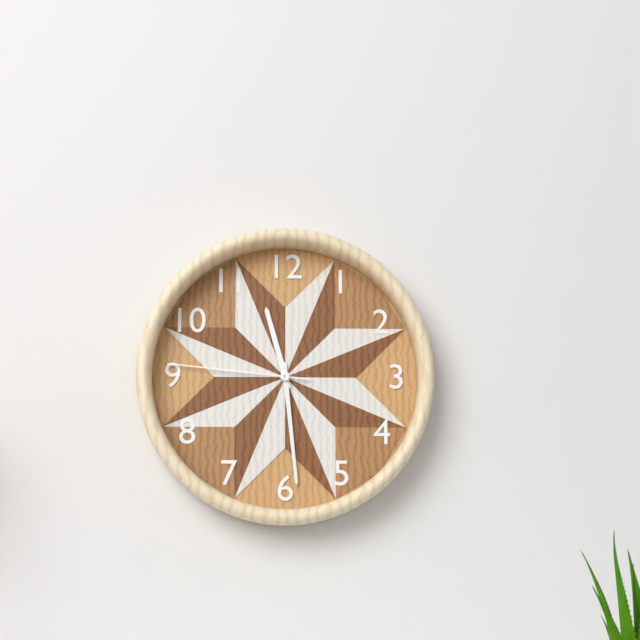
11:29:46
